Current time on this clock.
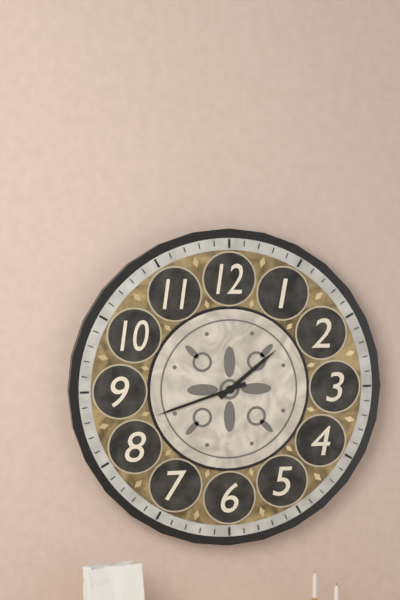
1:42
